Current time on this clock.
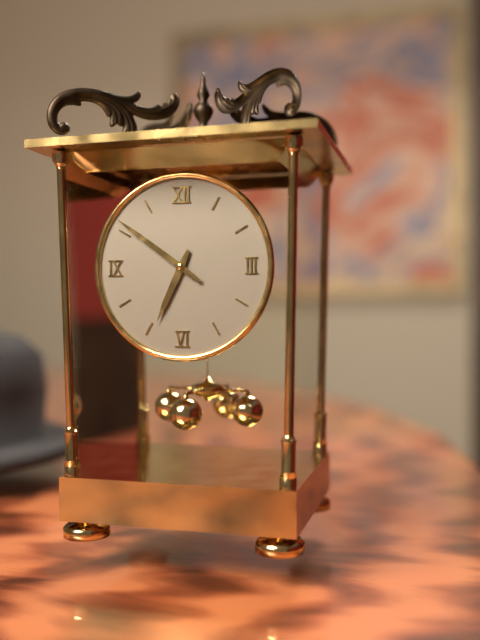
6:51
